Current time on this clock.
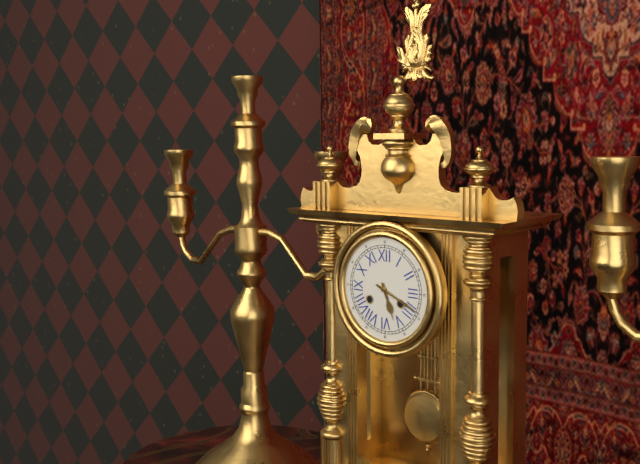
5:19
